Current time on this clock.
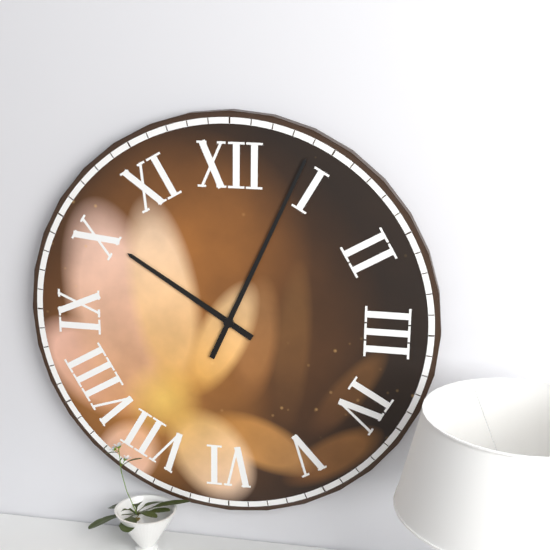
10:04
